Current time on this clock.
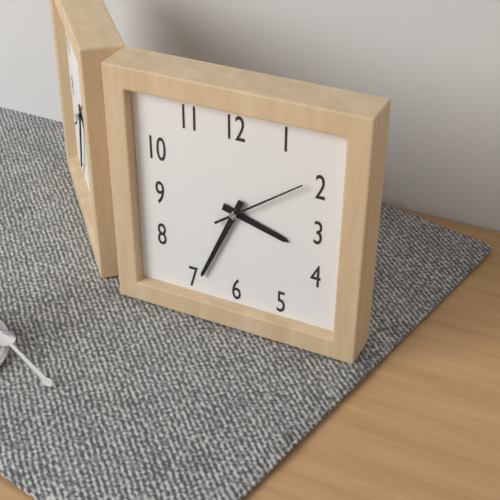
3:34:09
